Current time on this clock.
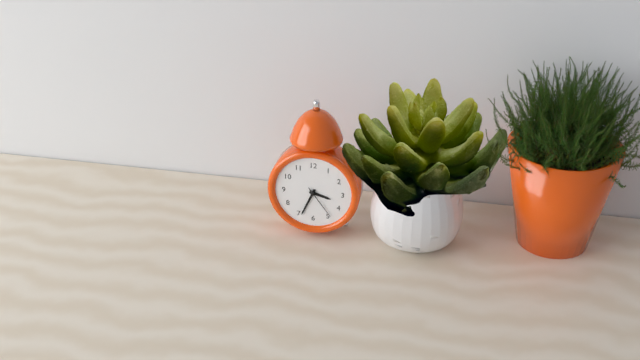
3:34
